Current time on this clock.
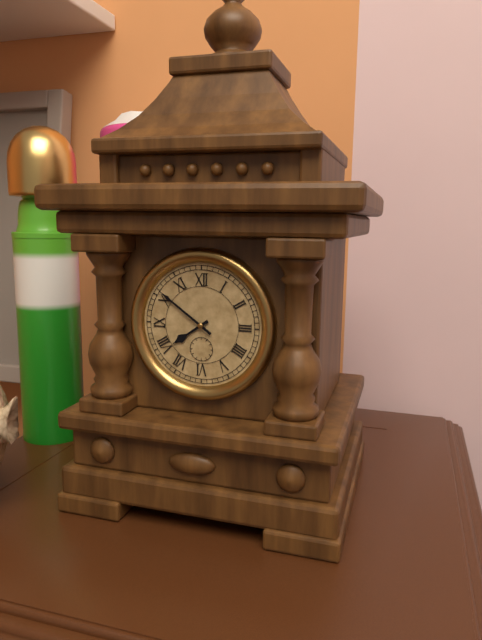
7:51
